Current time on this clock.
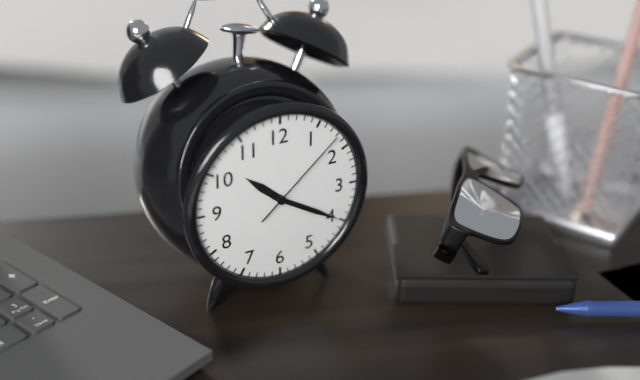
10:20:08
